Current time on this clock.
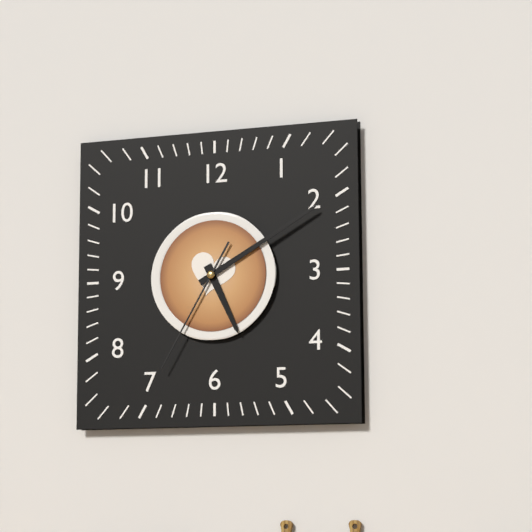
5:10:35
